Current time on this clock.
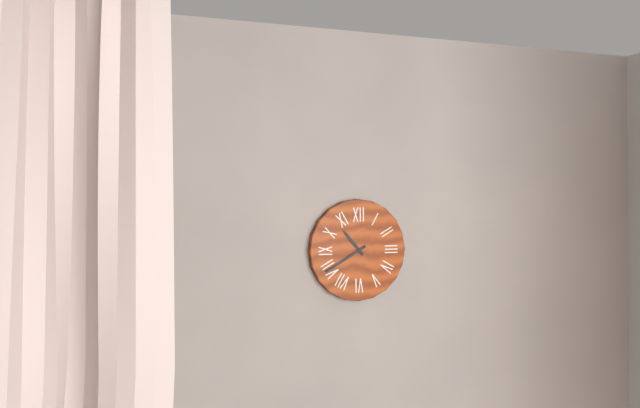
10:40
